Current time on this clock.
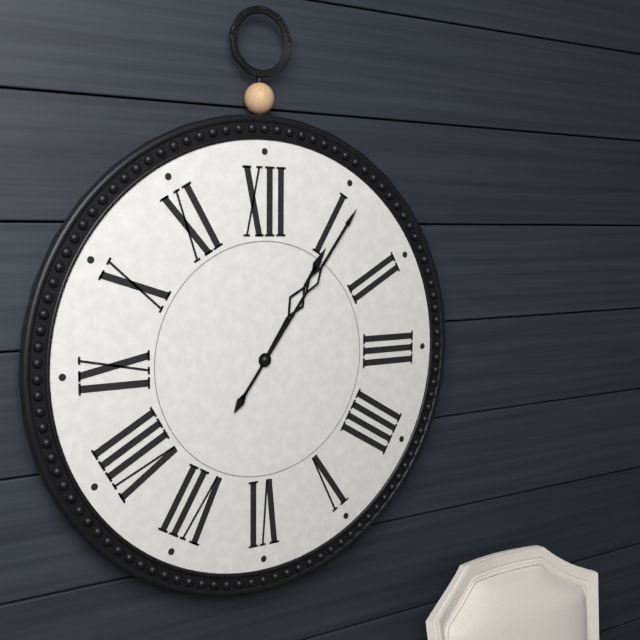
1:06
